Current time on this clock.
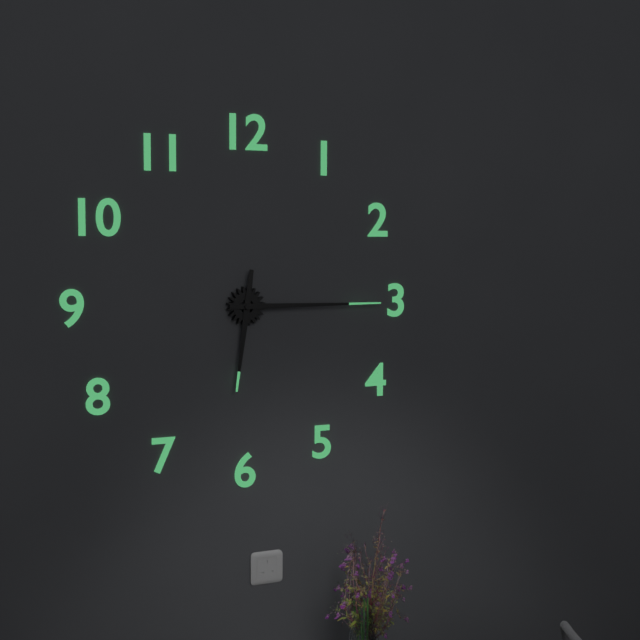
6:15
